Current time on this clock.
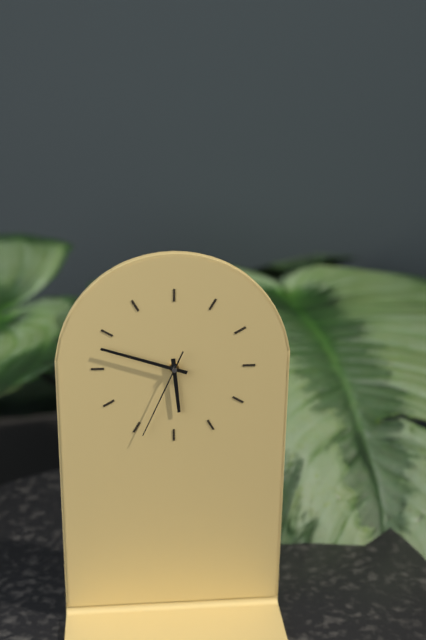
5:48:34
